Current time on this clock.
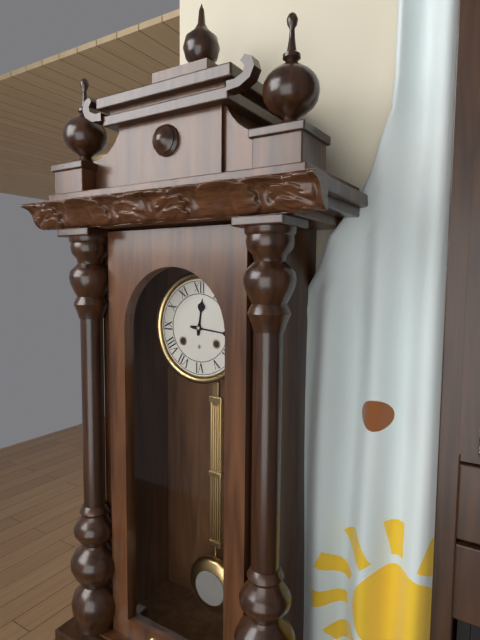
12:16
